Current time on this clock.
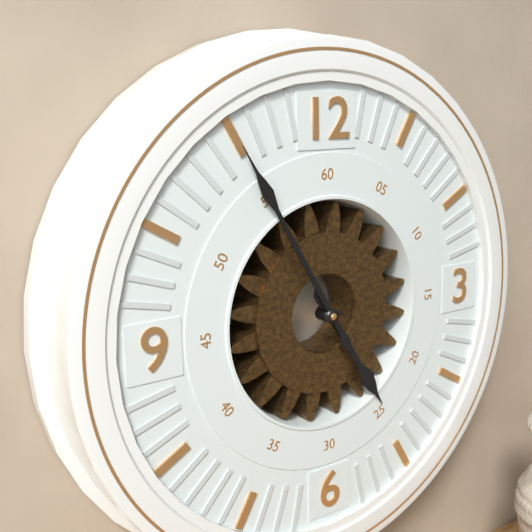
4:55
